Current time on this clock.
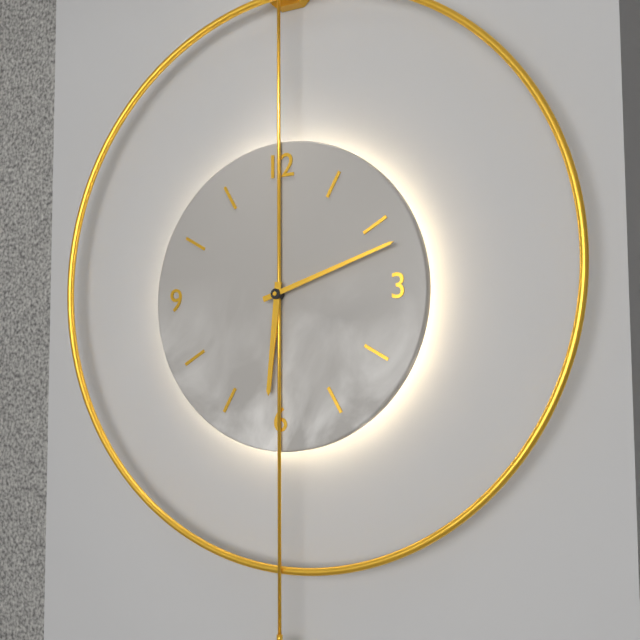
6:12
